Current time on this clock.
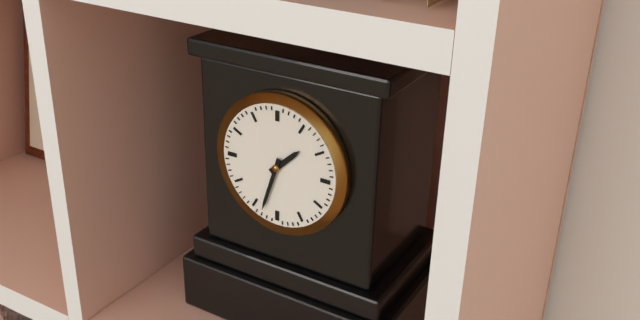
1:33
